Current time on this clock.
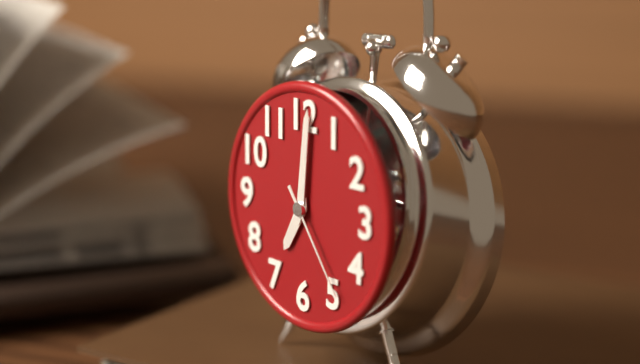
7:01:24
